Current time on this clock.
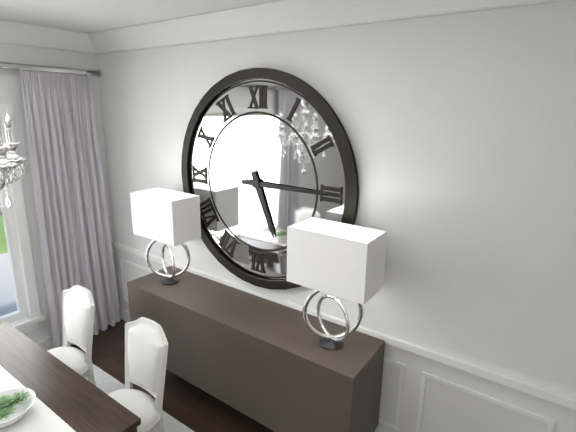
5:15
